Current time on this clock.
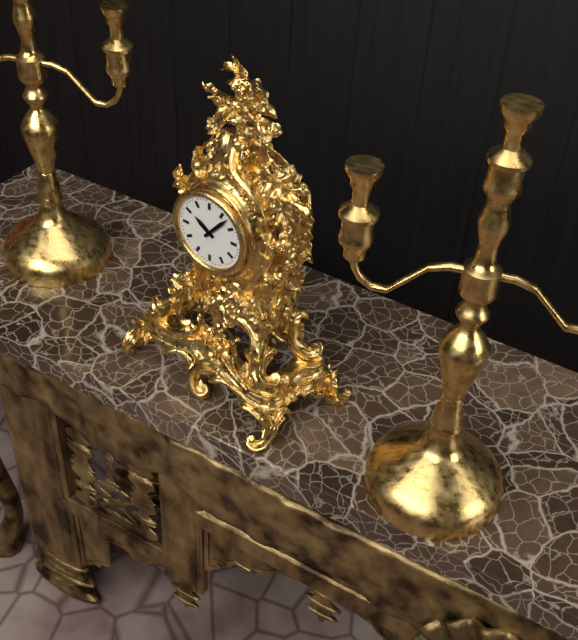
10:07
